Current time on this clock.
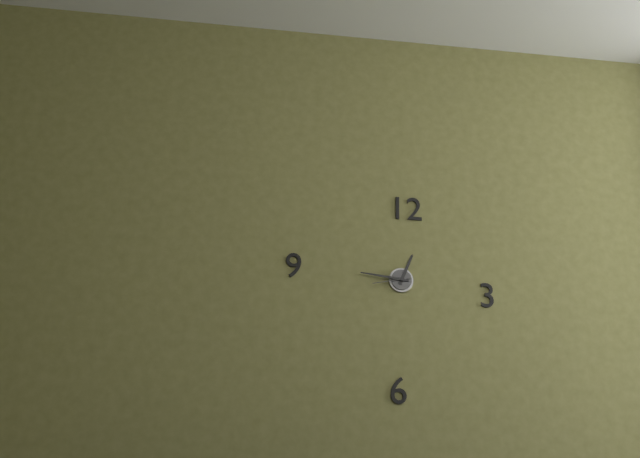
12:46
